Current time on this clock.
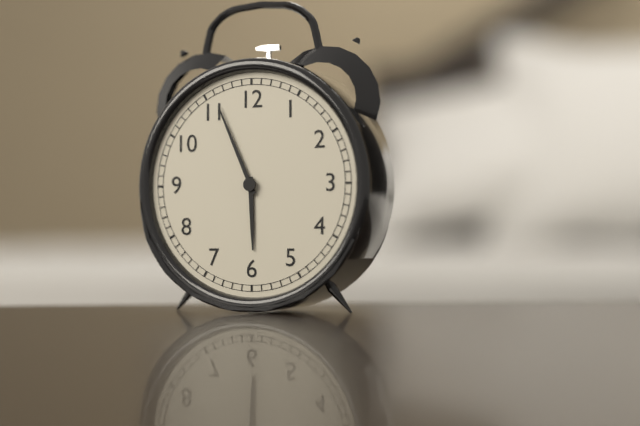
5:56
